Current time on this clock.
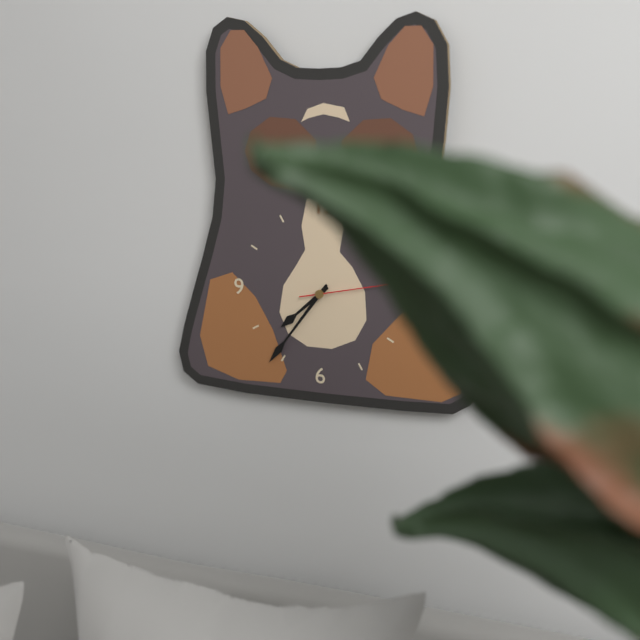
7:36:13
